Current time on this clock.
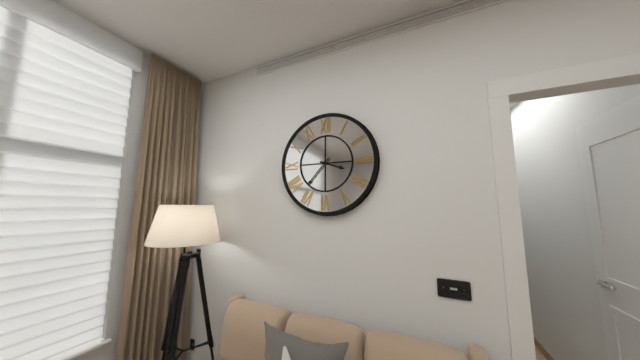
3:37
